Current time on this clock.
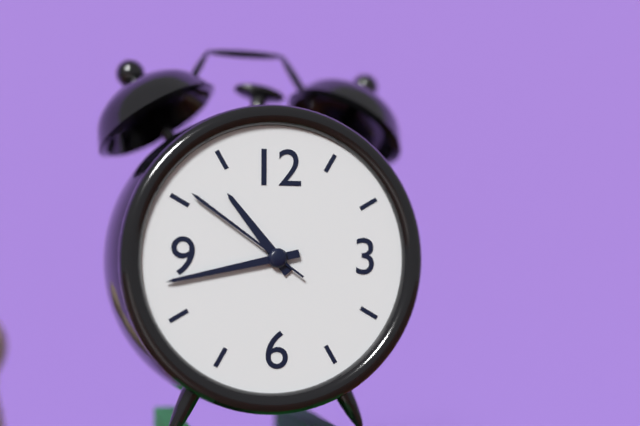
10:43:51
